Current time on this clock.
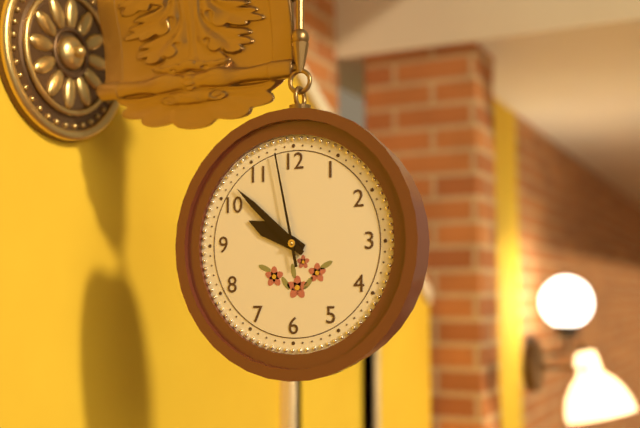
9:52:58
